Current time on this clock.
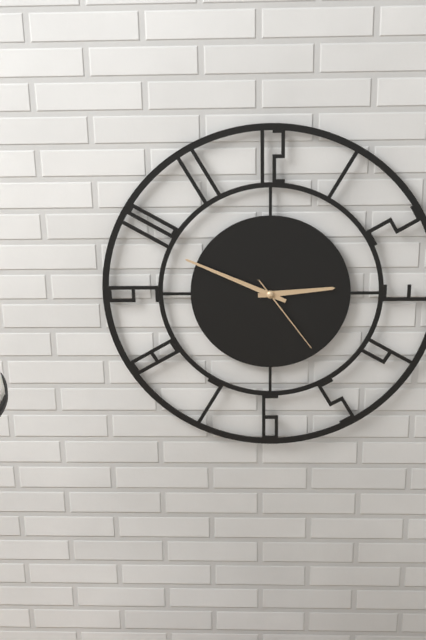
2:49:24
